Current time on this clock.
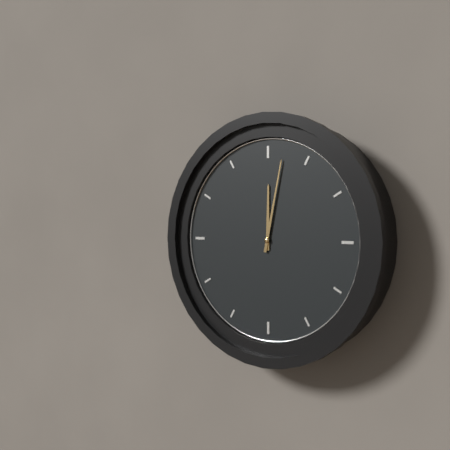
12:02
